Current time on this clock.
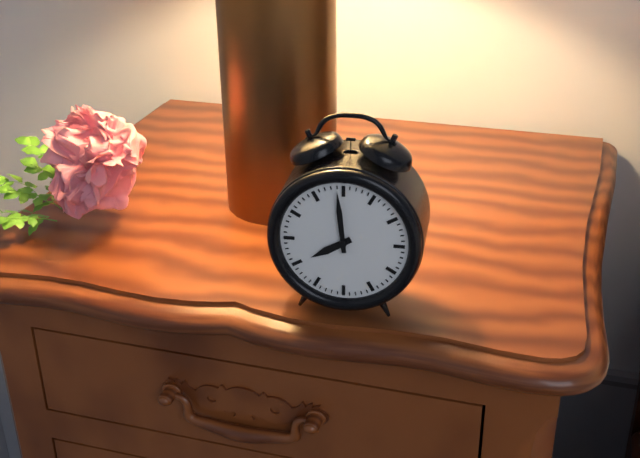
7:59
